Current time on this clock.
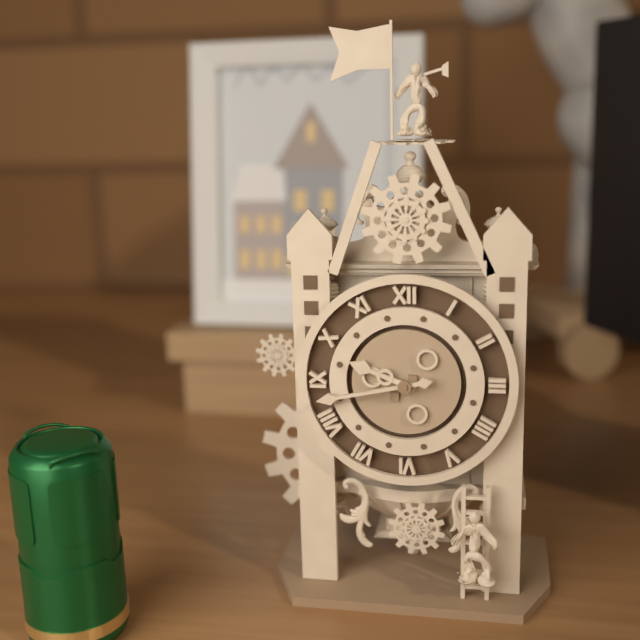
9:43
